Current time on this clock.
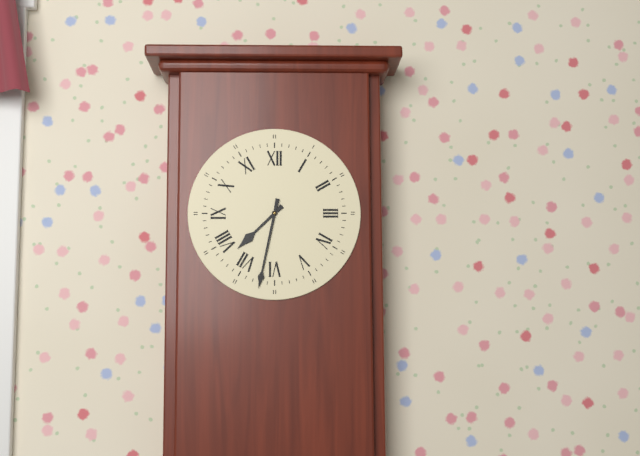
7:32
